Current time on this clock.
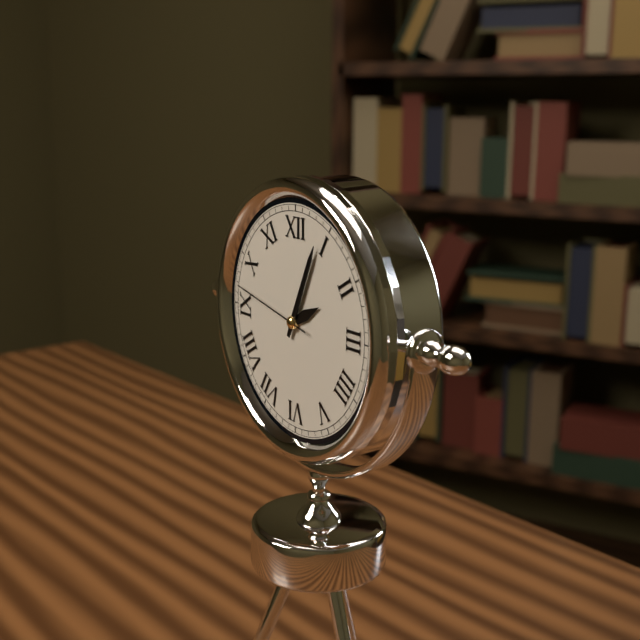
2:04:47
